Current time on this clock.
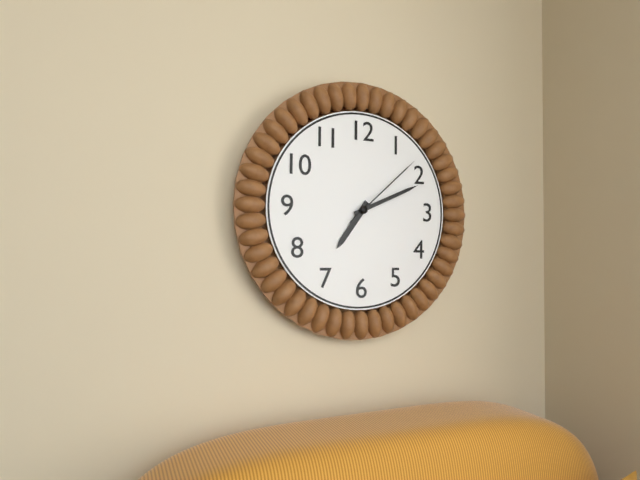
7:11:08
